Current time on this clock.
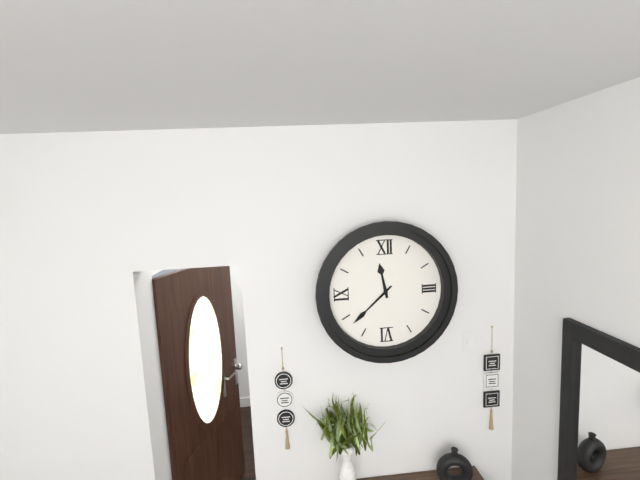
11:38
